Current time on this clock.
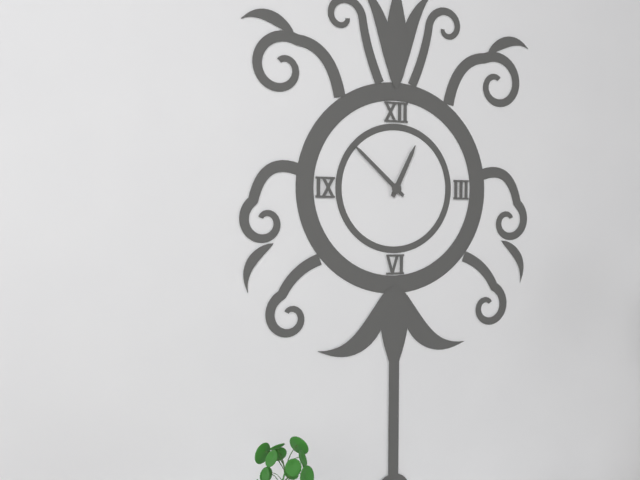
12:52
